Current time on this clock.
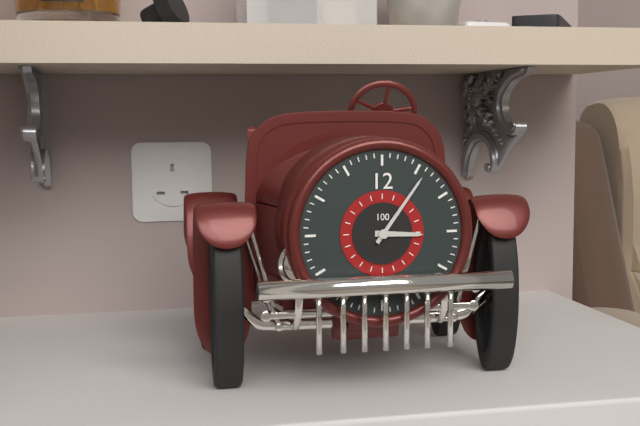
3:06
